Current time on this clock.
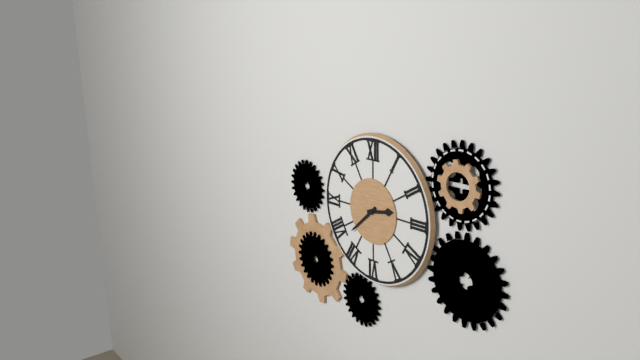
2:38
